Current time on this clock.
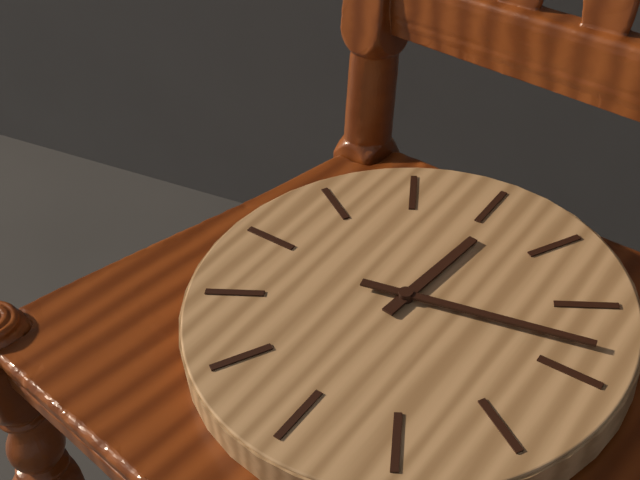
12:13
